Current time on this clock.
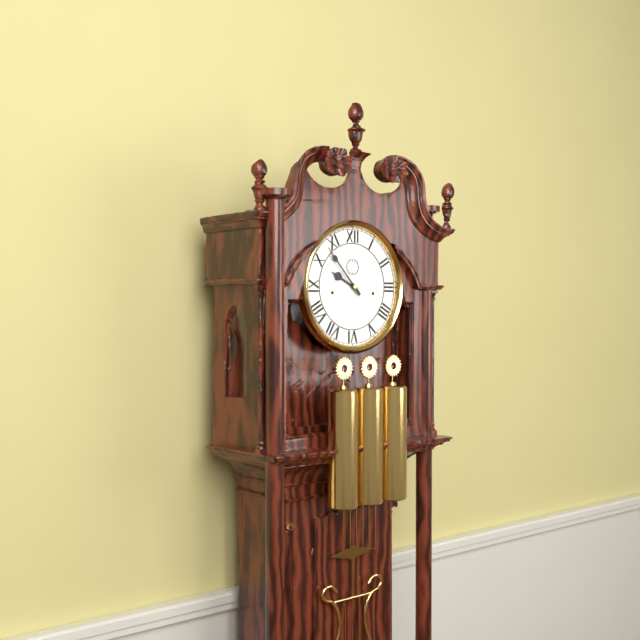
9:53
